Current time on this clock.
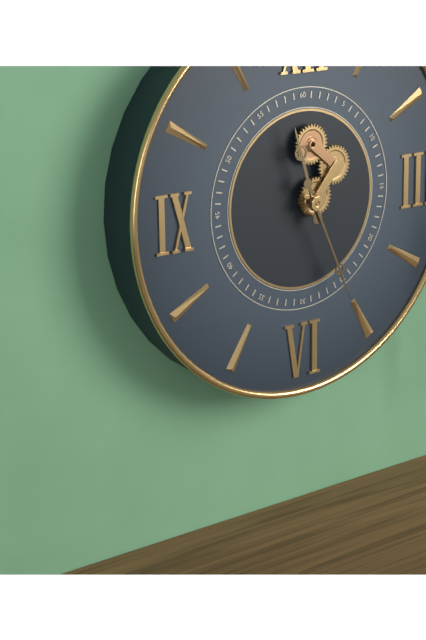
11:26
